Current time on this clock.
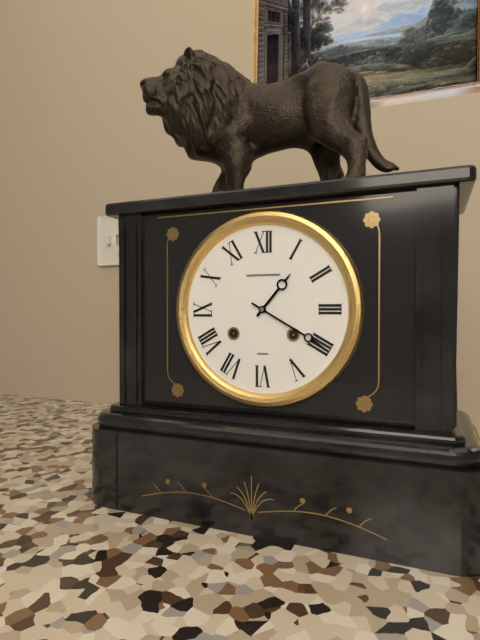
1:20
